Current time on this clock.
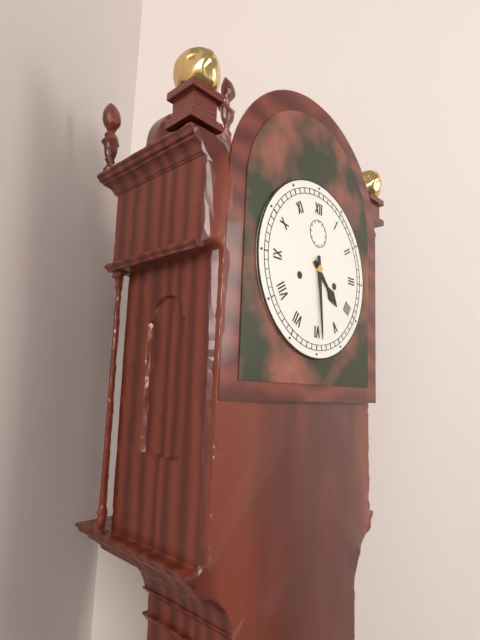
4:29
